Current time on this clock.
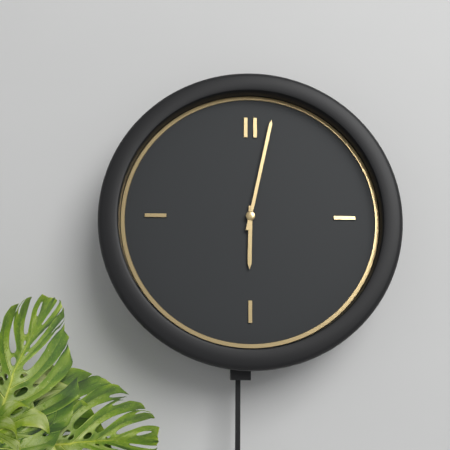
6:02
